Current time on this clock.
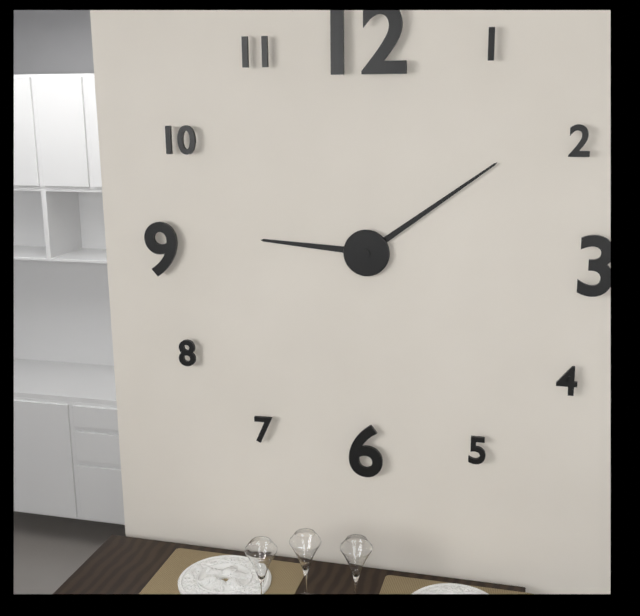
9:09
